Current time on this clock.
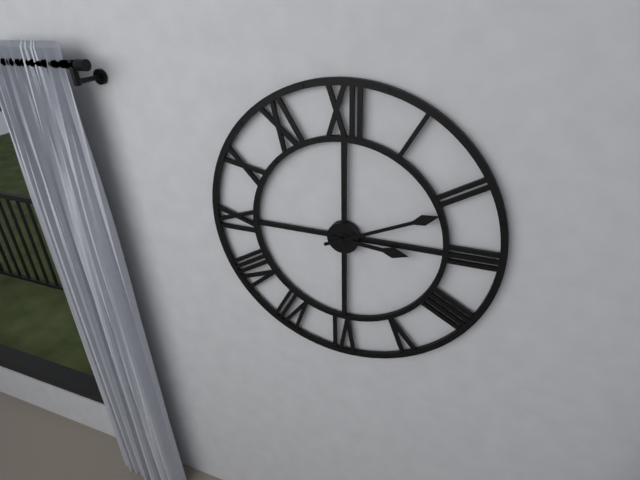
3:11
